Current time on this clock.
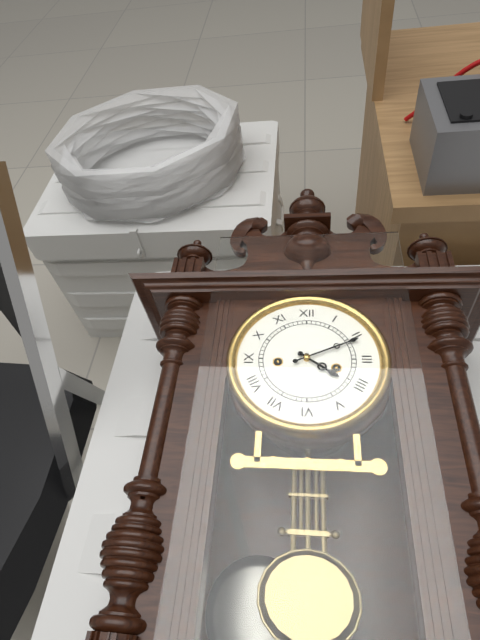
4:11
